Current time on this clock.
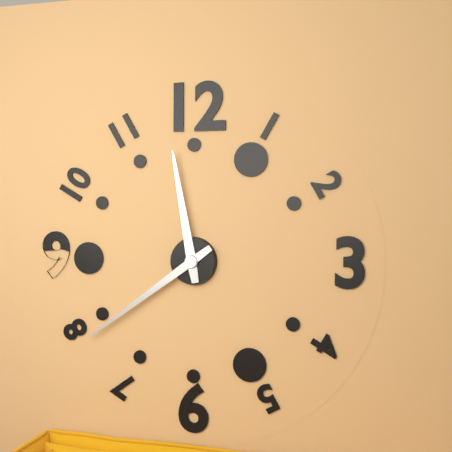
11:39
